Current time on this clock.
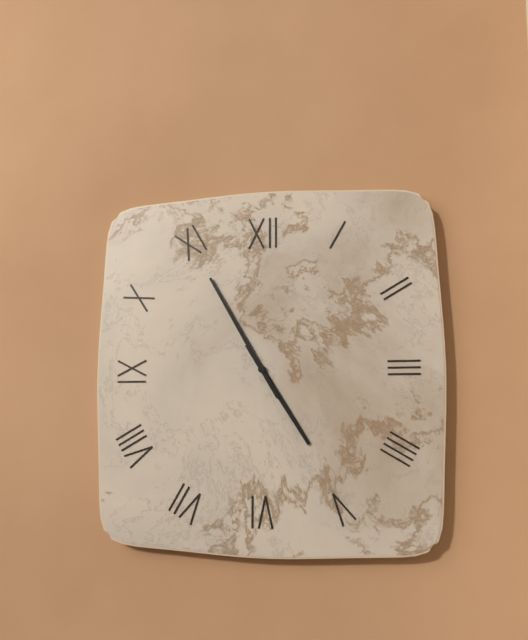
4:55
